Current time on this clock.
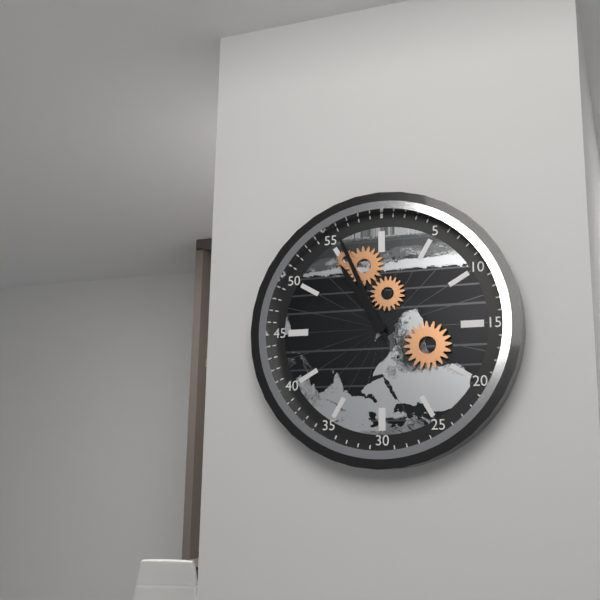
10:56
